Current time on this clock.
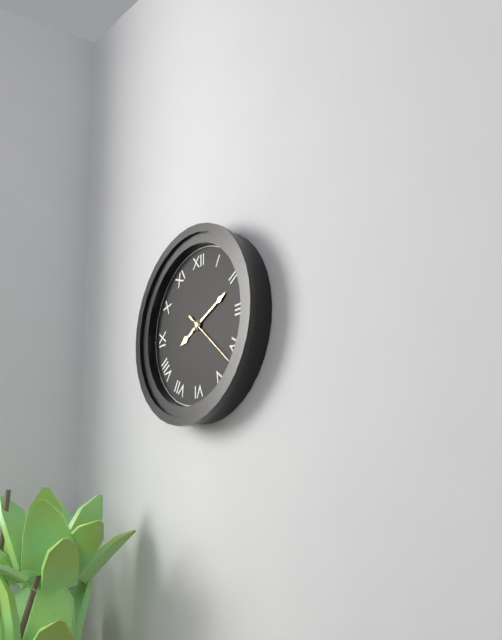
8:11:22
